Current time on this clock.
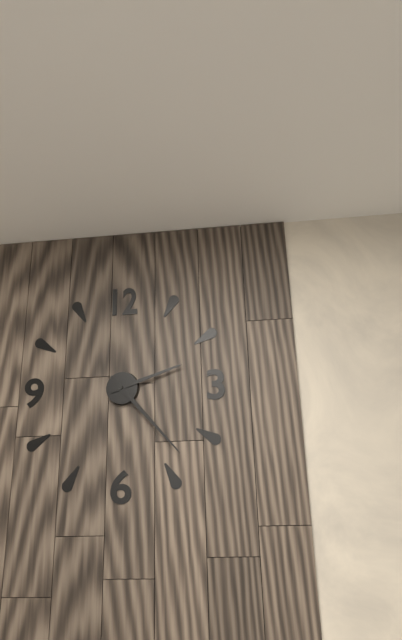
2:23
